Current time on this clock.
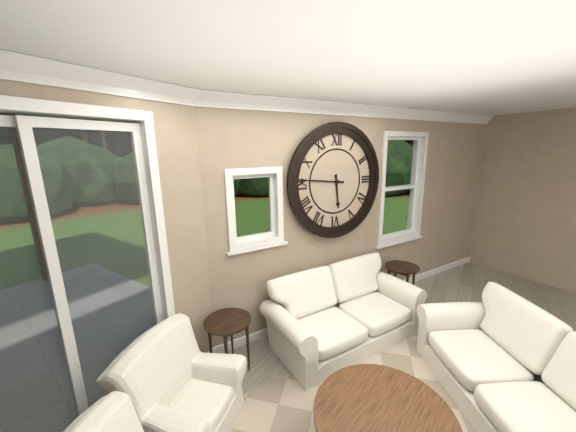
5:46
